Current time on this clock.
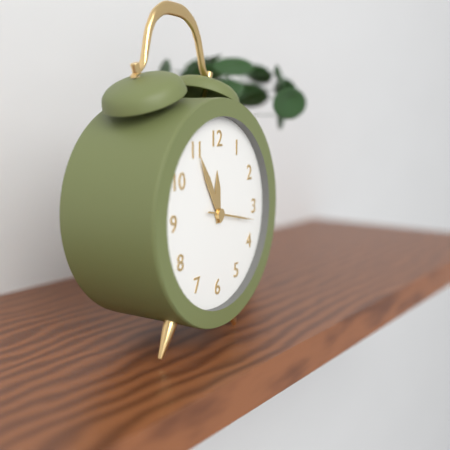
11:55
